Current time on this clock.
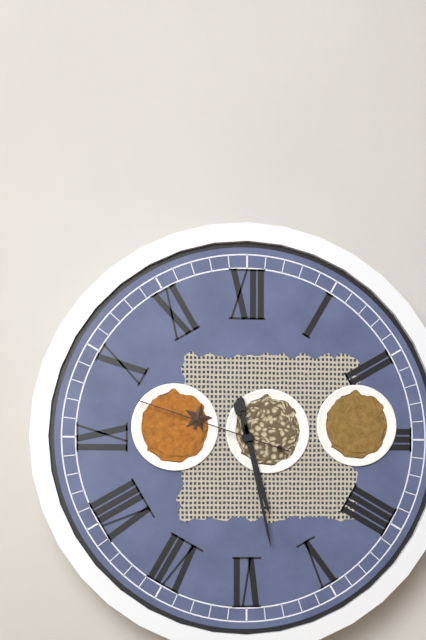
5:28:48
